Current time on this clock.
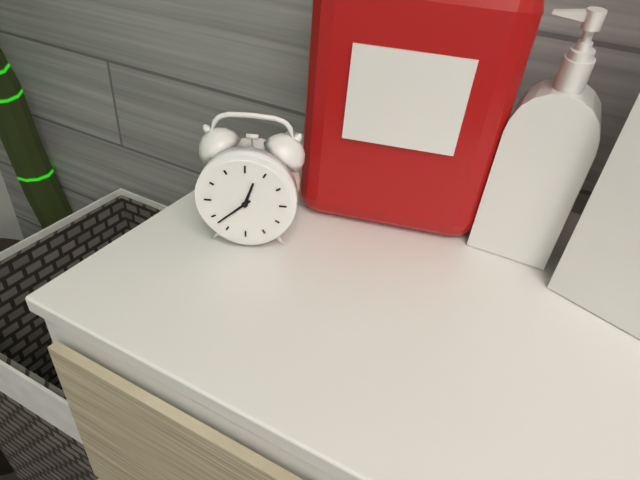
12:38
